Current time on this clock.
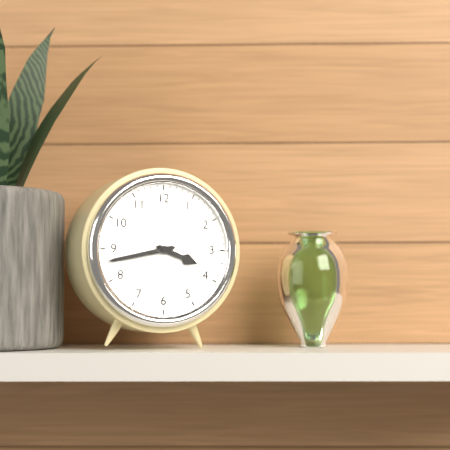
3:43
